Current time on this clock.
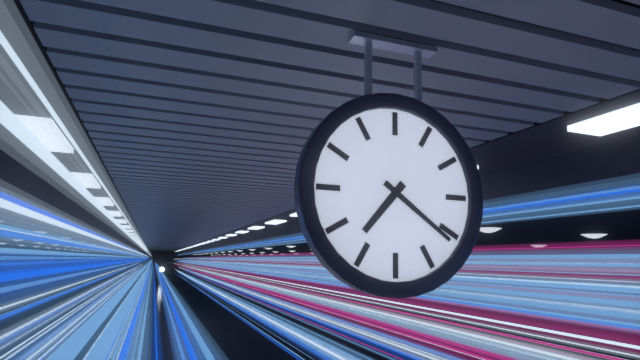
7:21
